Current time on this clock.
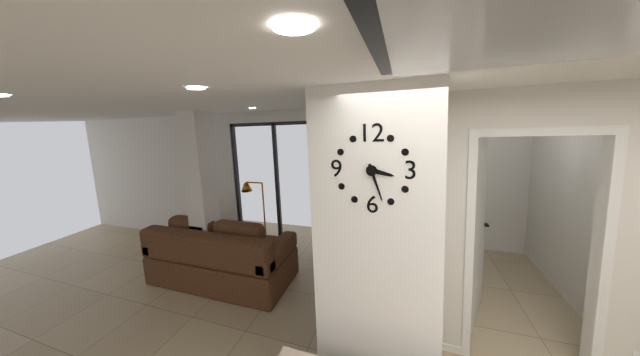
3:27
